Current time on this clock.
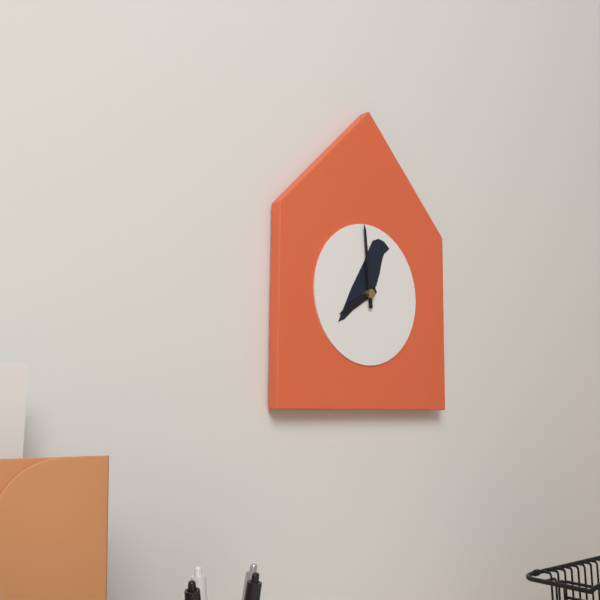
7:59
